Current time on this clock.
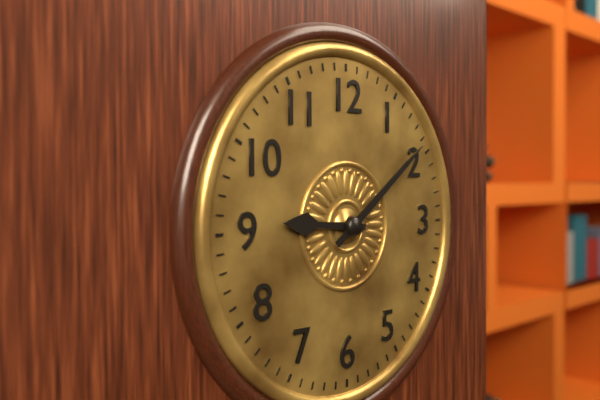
9:09
